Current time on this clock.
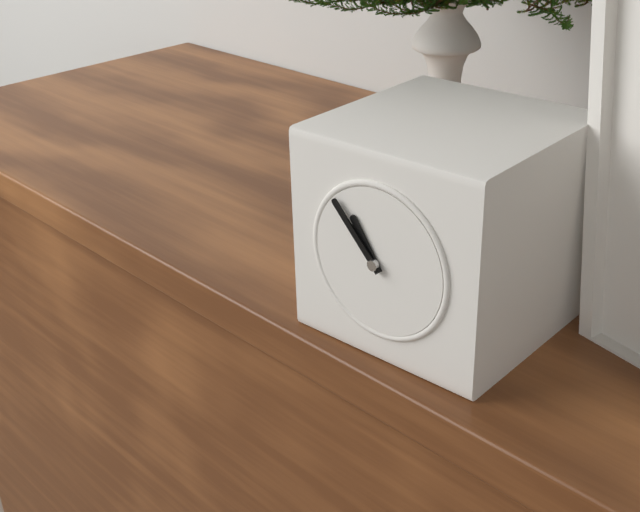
10:53
